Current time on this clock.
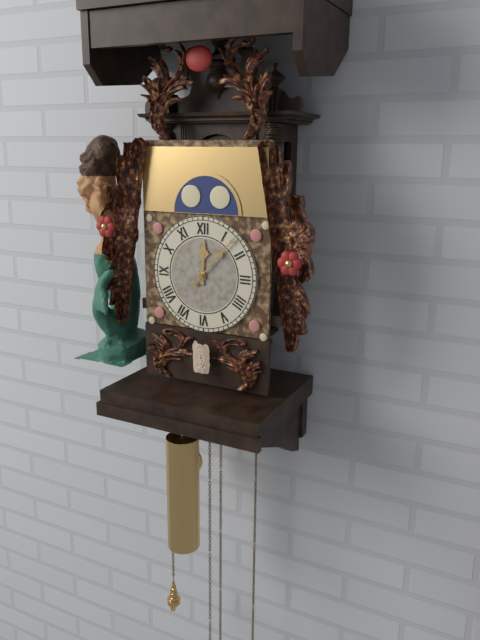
12:07
